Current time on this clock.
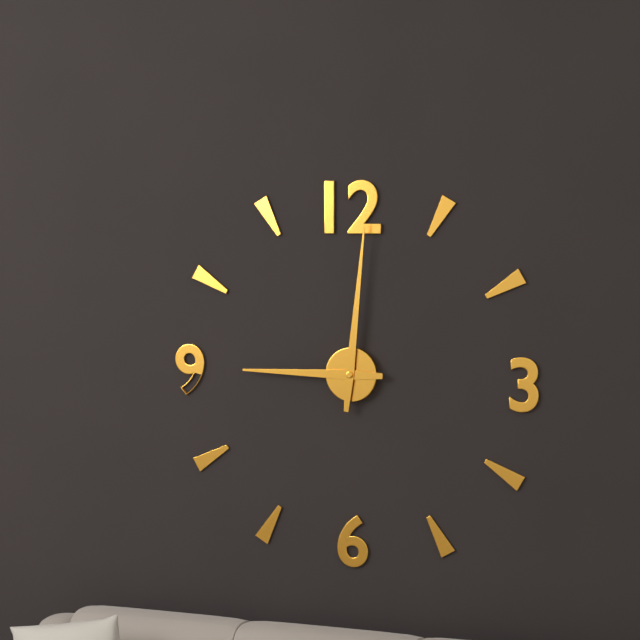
9:01
